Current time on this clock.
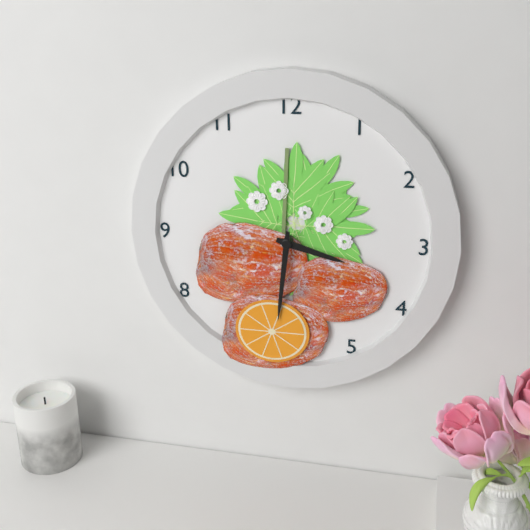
3:31
